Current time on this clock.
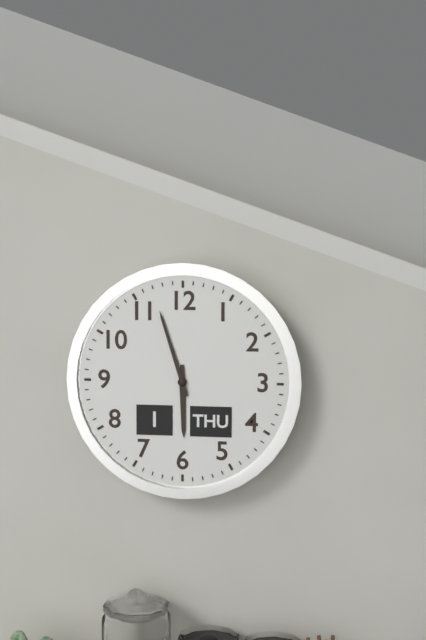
5:57
